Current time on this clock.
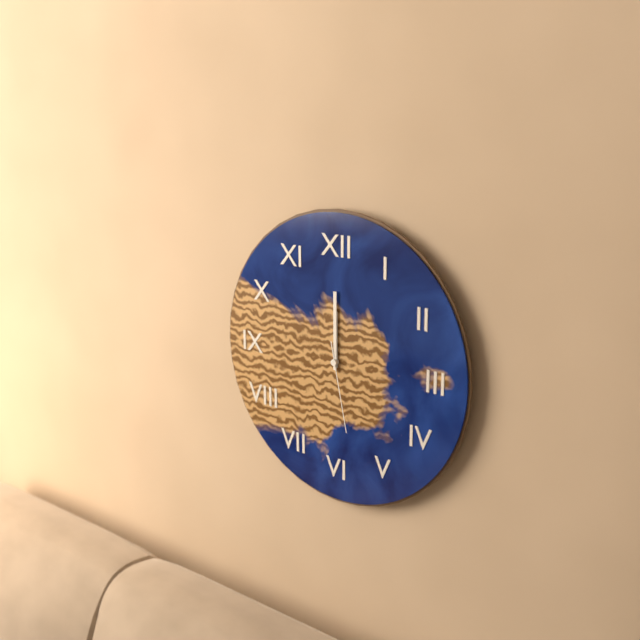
12:00:28
